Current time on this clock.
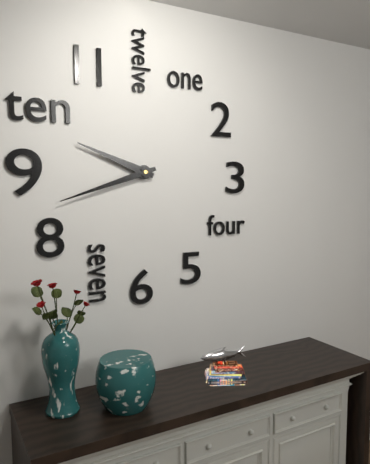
9:42
